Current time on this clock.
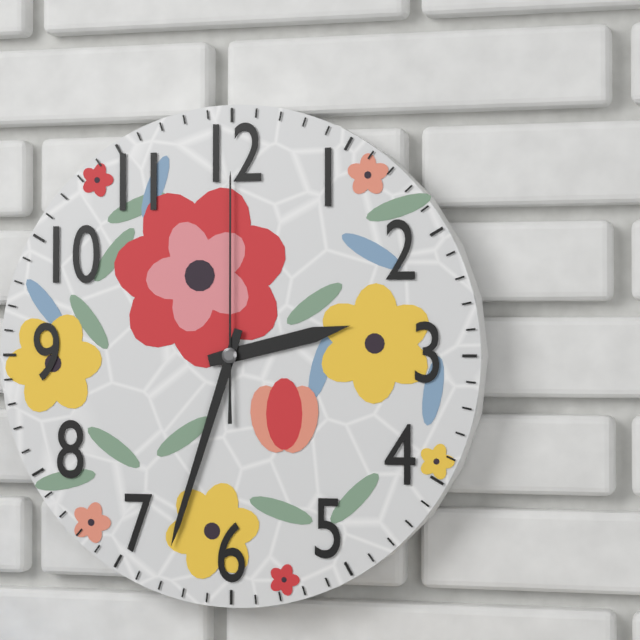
2:33:00
